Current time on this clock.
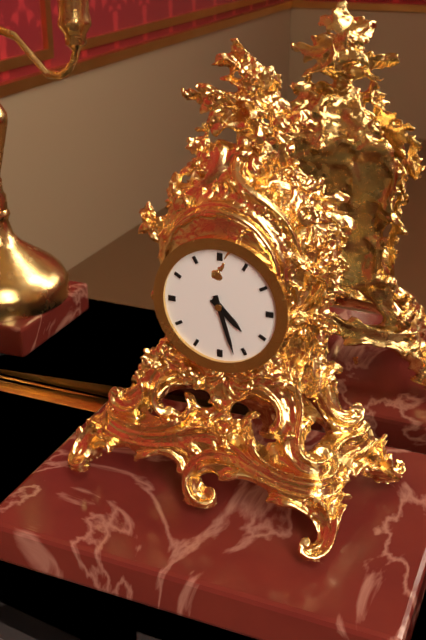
4:27
